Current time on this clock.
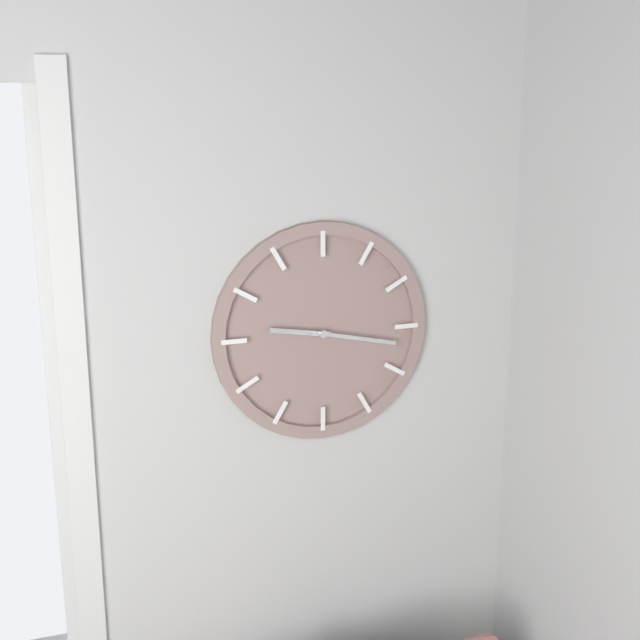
9:17
